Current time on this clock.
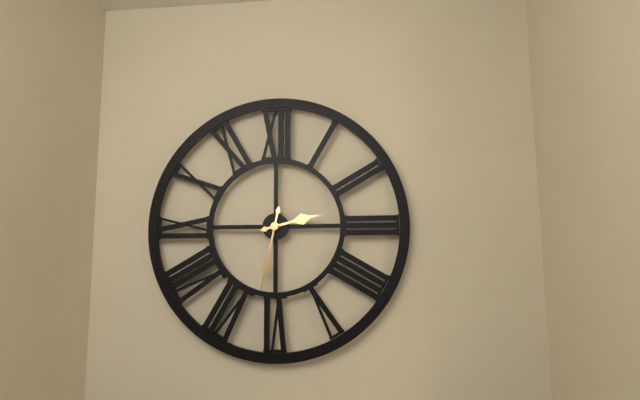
2:32
